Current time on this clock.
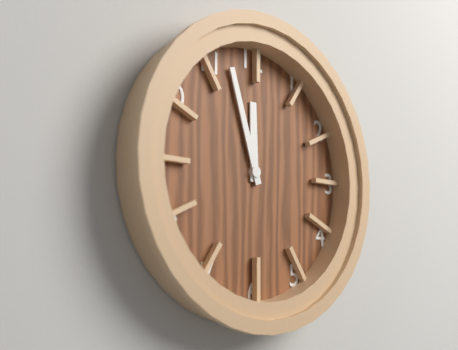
11:57
